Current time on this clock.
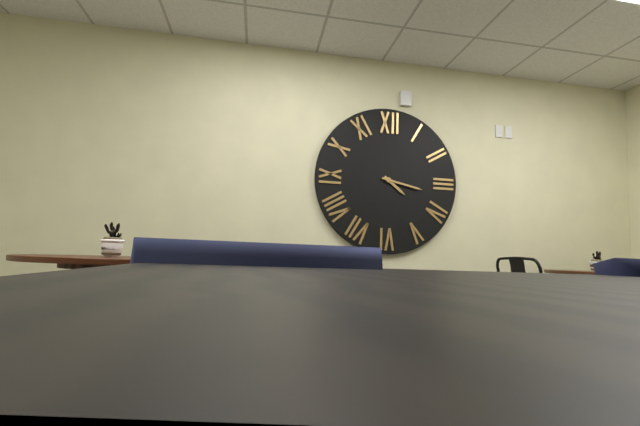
4:17
